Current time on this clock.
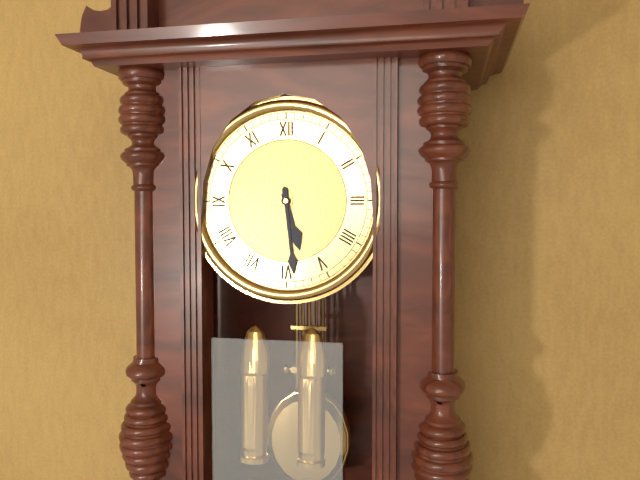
5:29
